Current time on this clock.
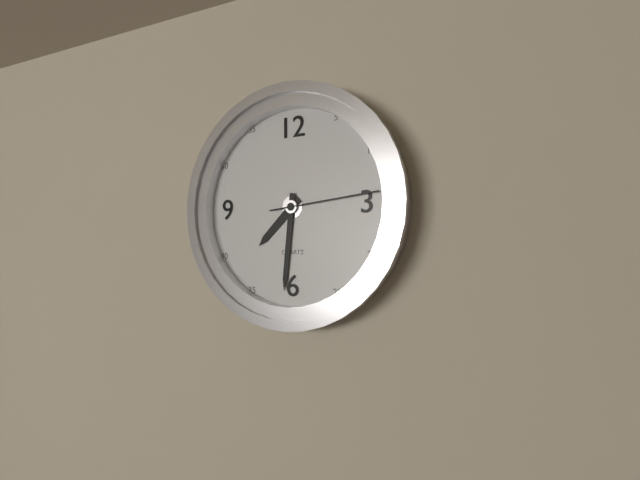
7:31:14
